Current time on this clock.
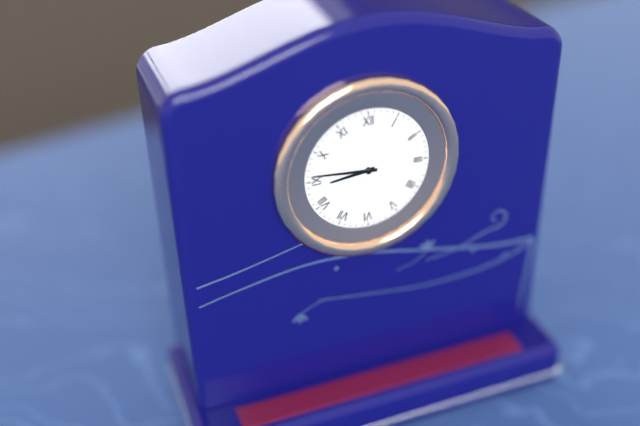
8:46
